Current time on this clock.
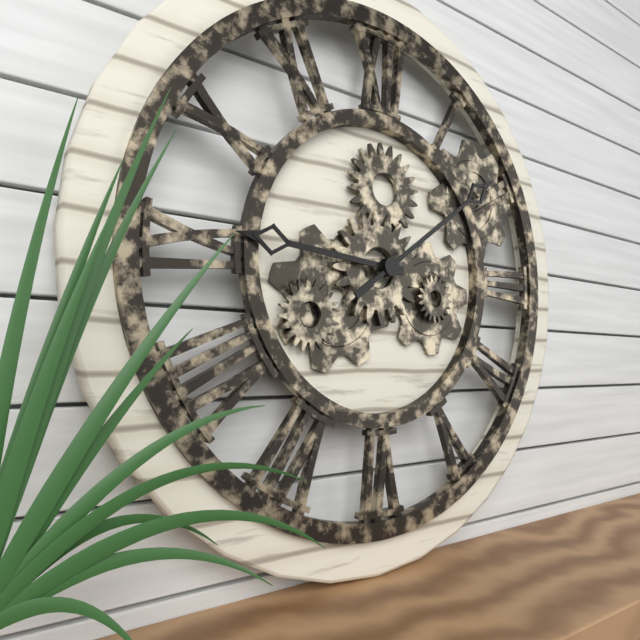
9:09
